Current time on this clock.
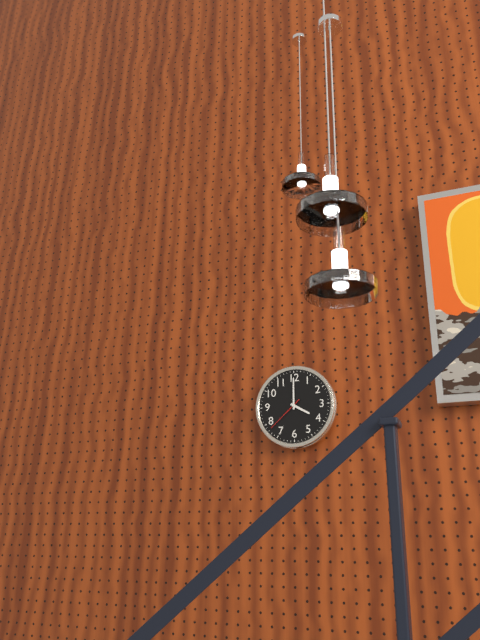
4:00
